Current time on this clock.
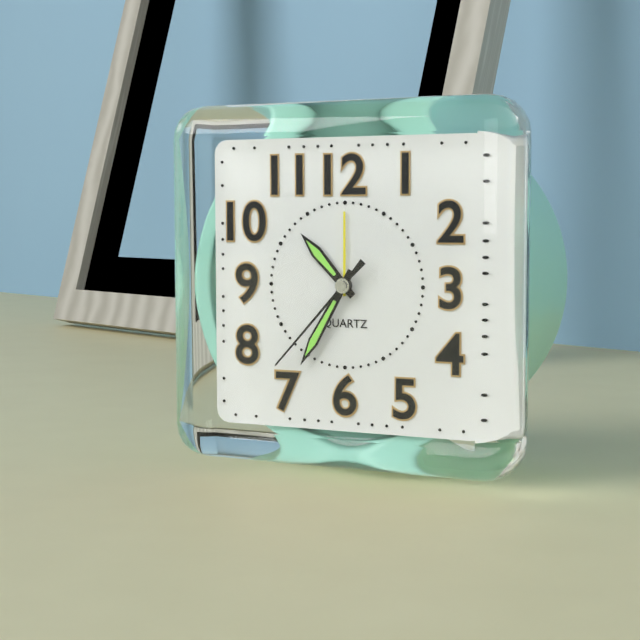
10:35:37
